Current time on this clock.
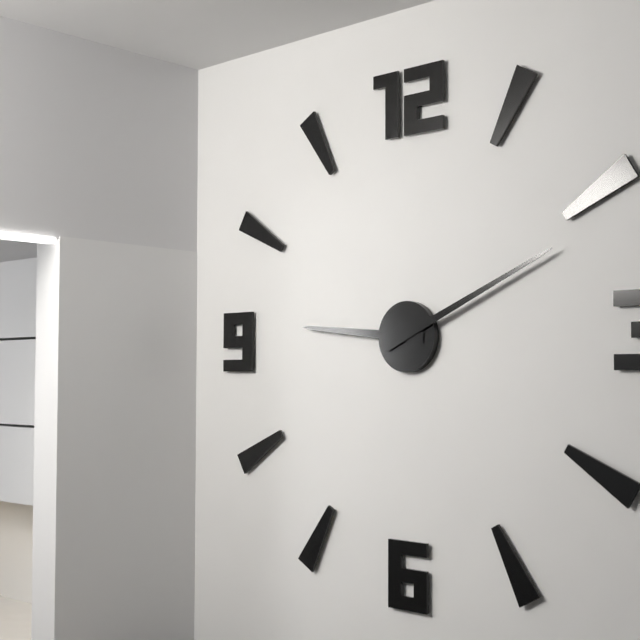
9:11
